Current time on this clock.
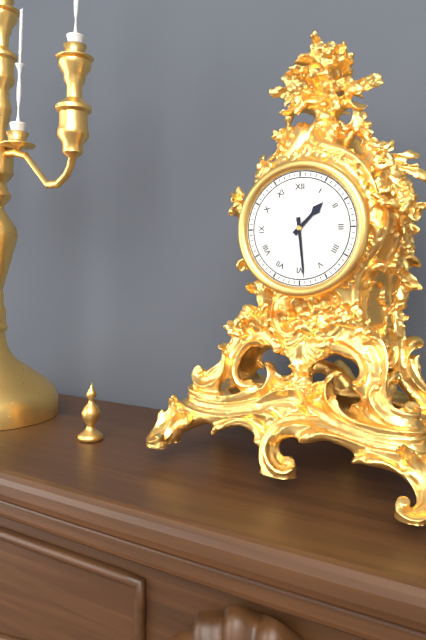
1:29
